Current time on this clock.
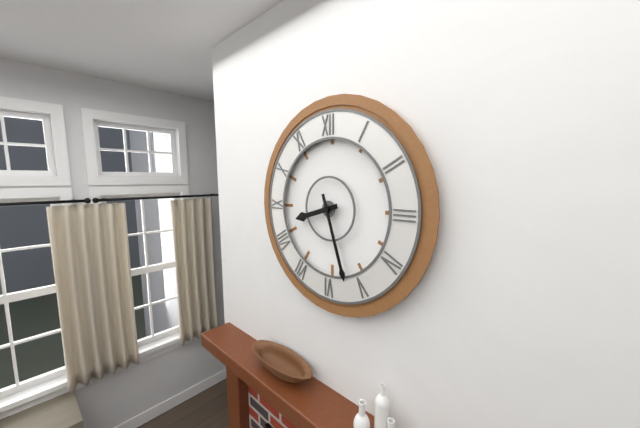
8:27
